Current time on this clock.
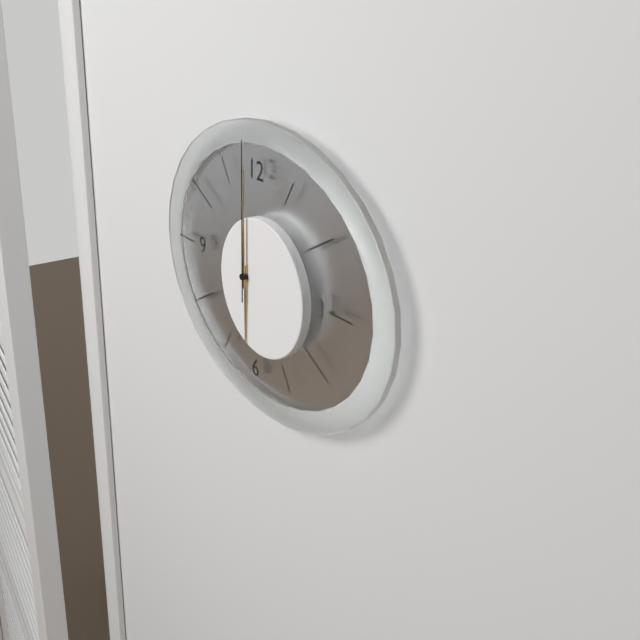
6:00:00
